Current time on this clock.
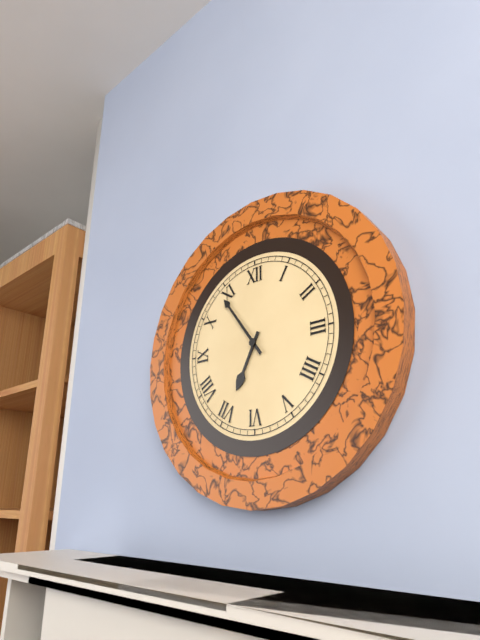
6:54
